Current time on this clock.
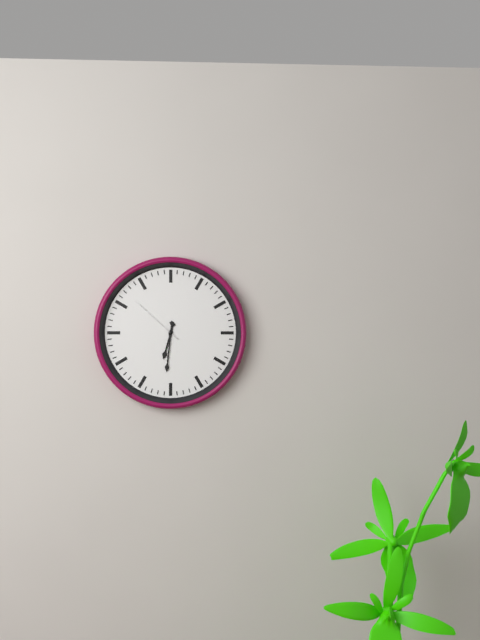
6:31:52
